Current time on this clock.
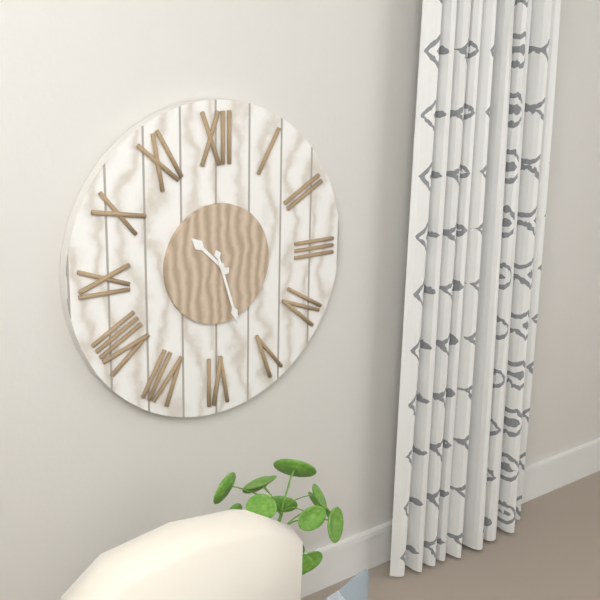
10:27
